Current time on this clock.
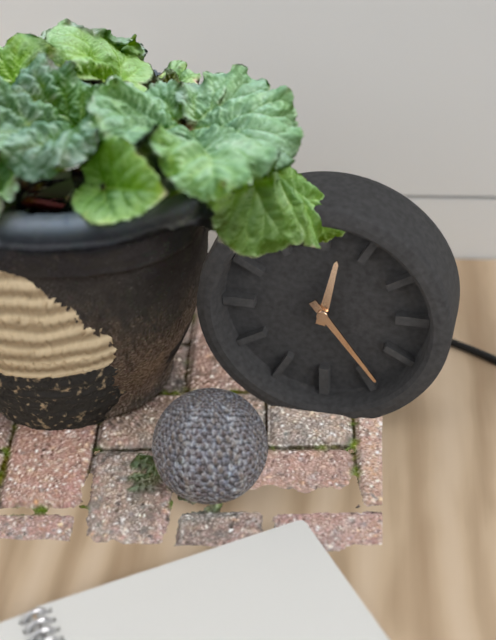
12:24
